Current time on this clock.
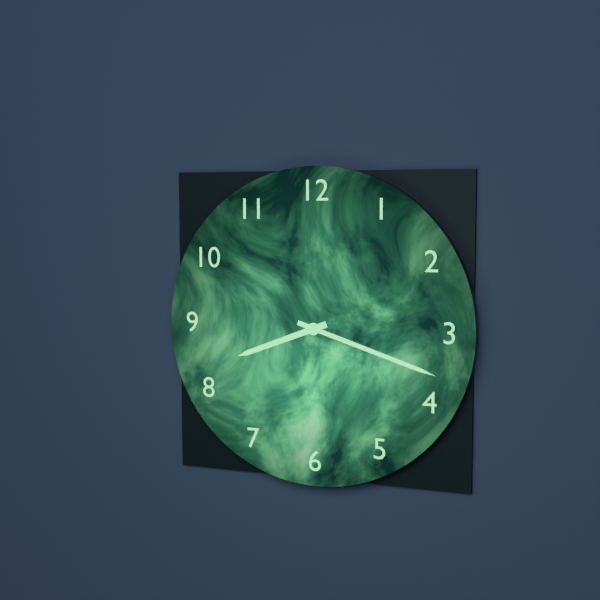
8:18
